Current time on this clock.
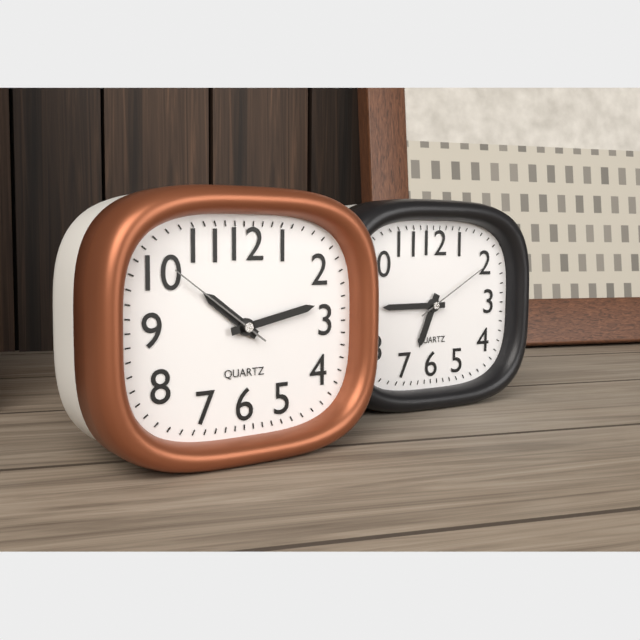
10:13:51
